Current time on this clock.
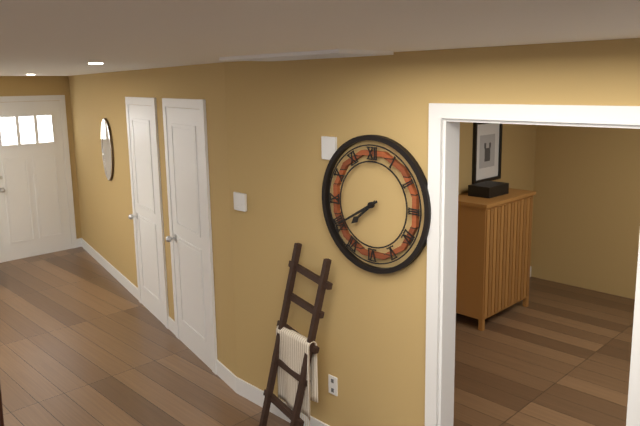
7:40
